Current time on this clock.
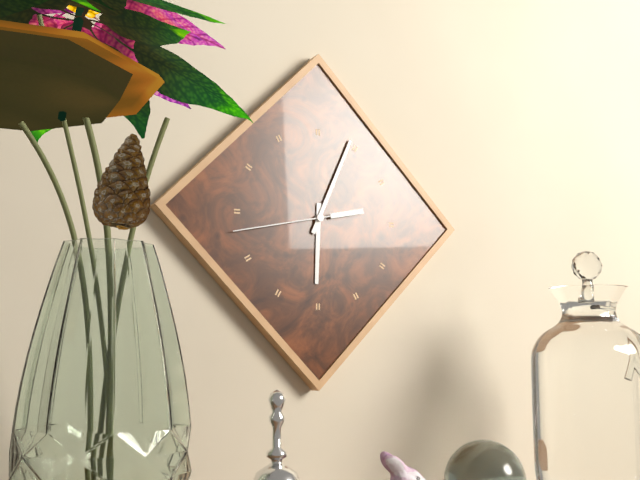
6:04:43
